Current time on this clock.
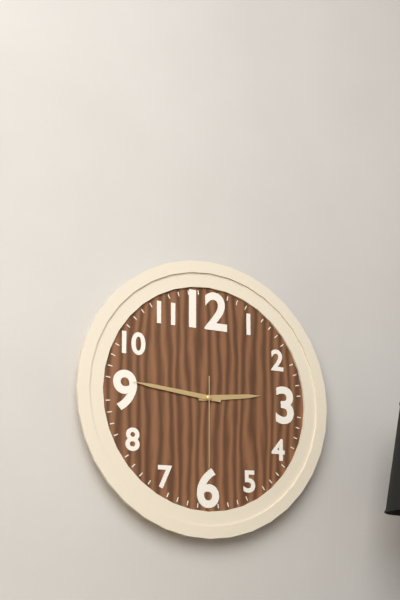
2:46:30
